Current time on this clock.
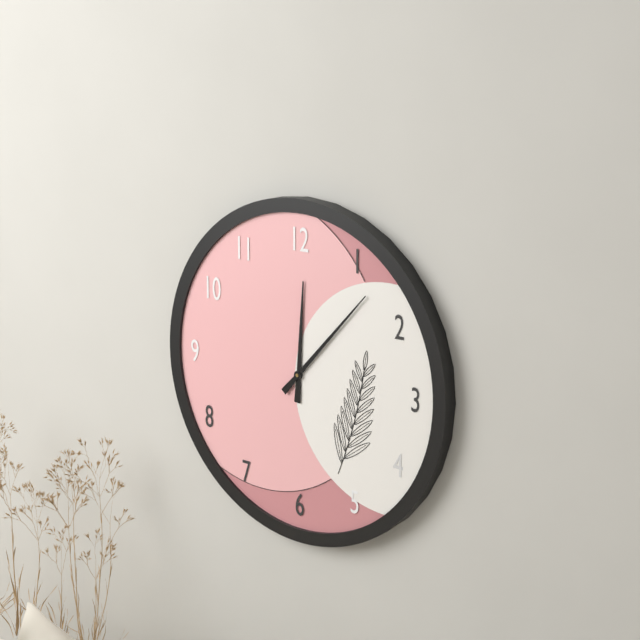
12:07
